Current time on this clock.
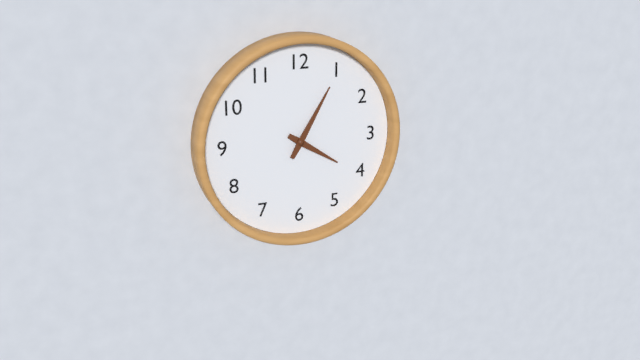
4:05
